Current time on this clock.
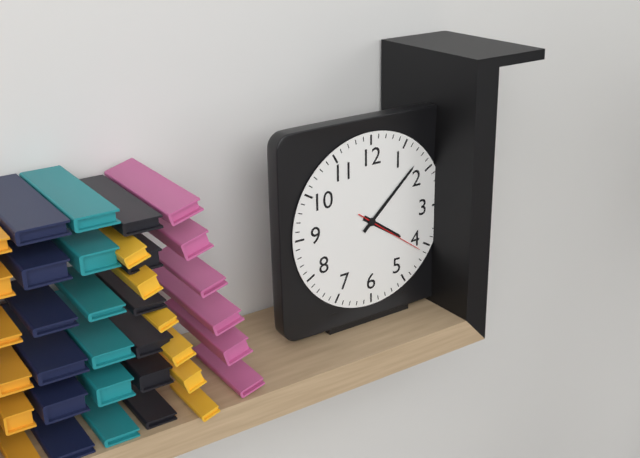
4:08:21
